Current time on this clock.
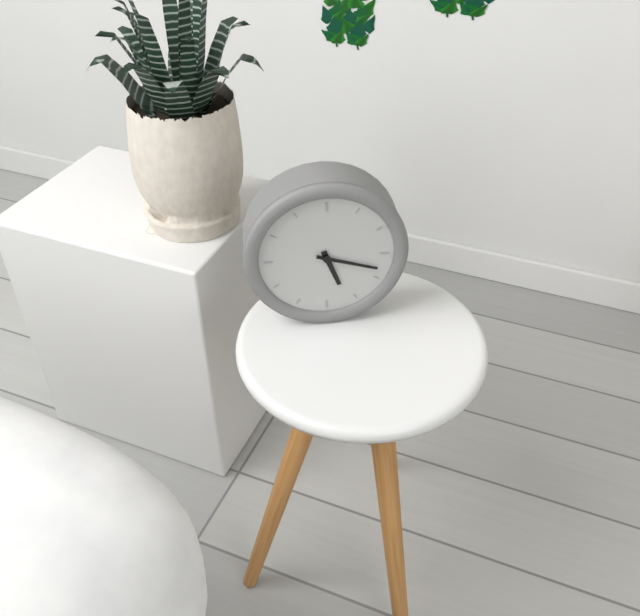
5:18
